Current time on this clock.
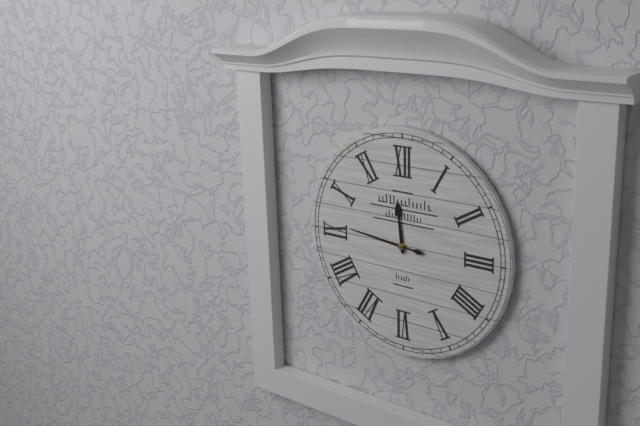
11:46
